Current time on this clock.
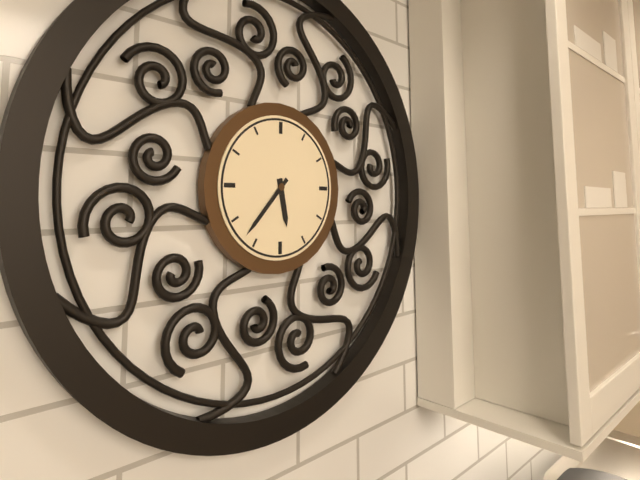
5:37
